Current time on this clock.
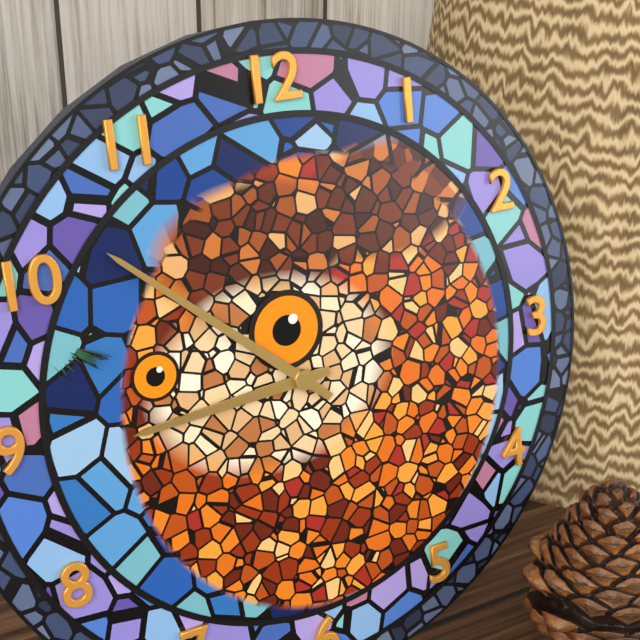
8:52
